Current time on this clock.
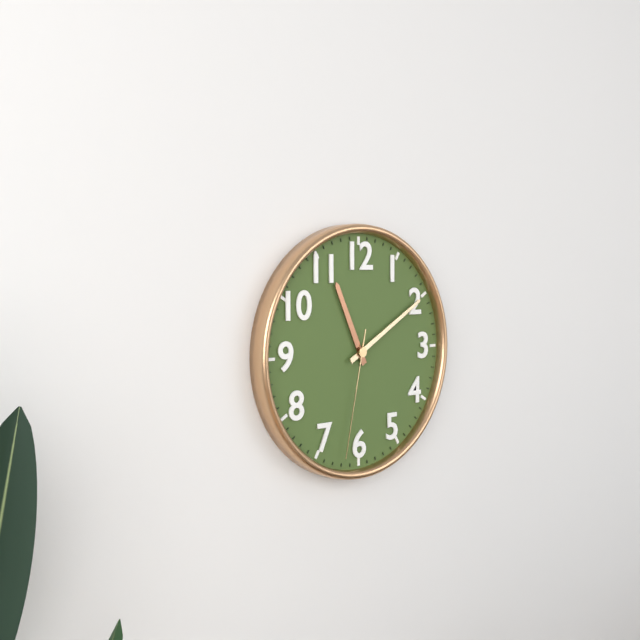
11:10:32
